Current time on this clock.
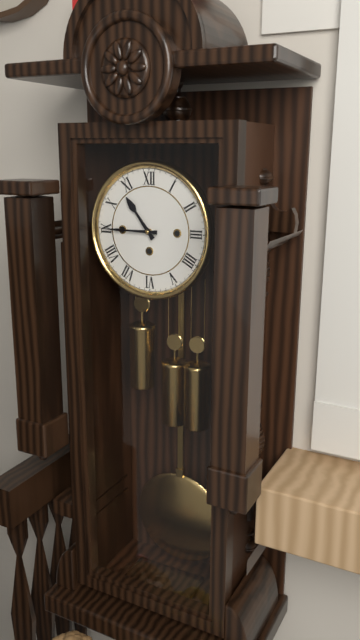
10:45
